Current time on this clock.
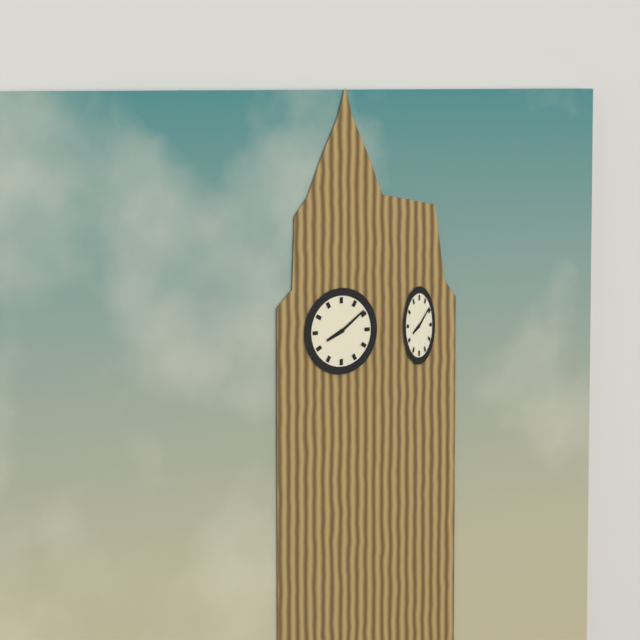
8:09
